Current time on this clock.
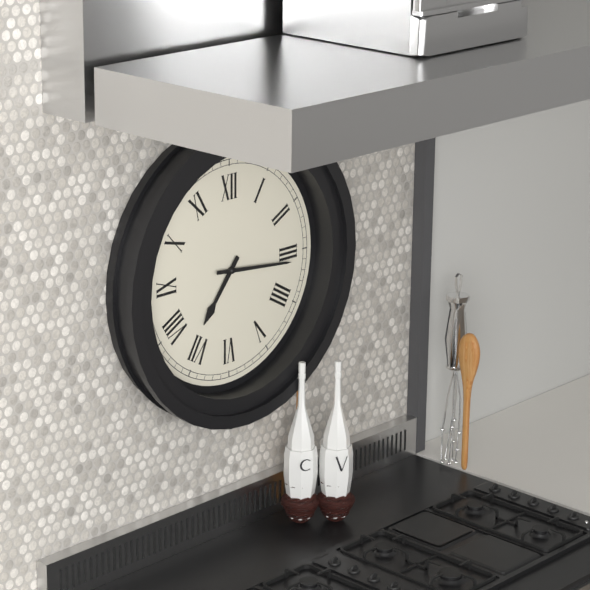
7:16
